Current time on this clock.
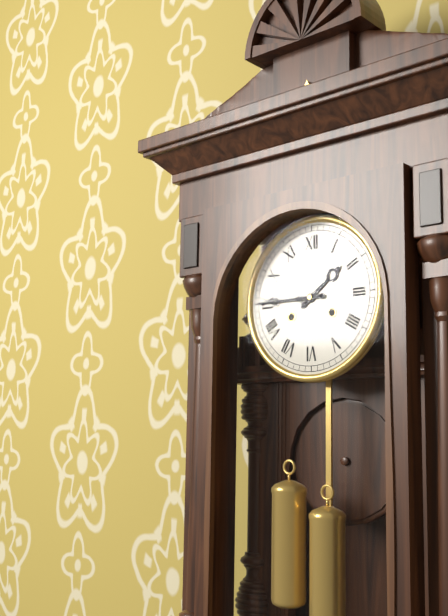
1:45
